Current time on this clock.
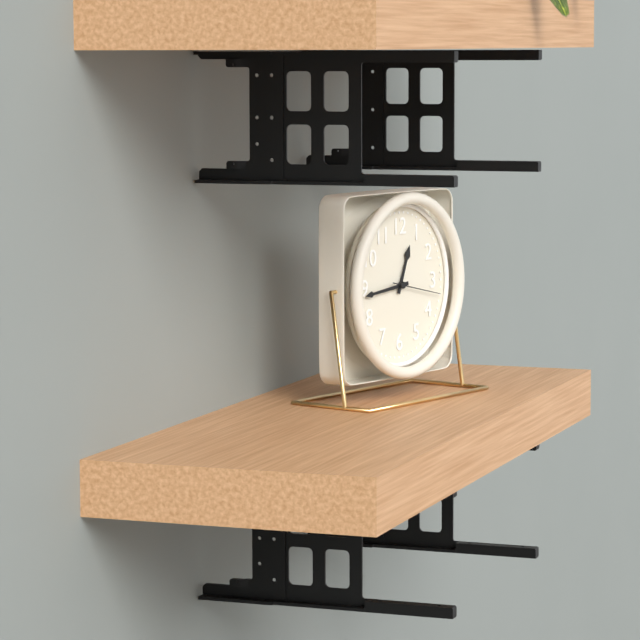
12:44
